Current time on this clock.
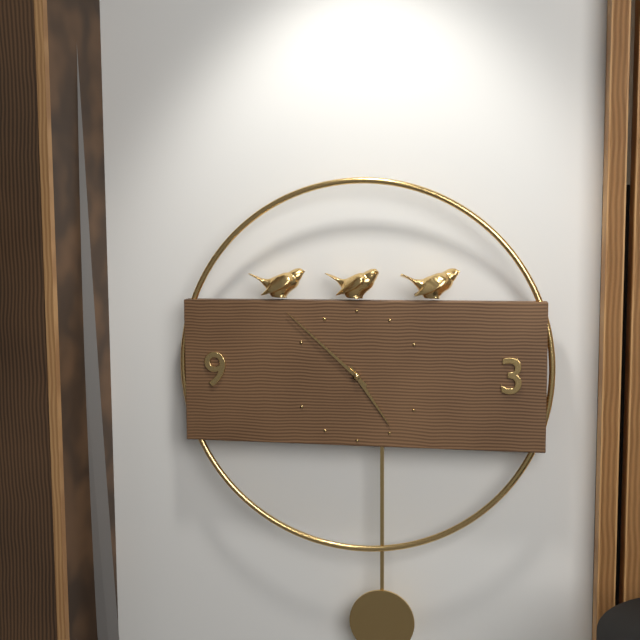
4:52
